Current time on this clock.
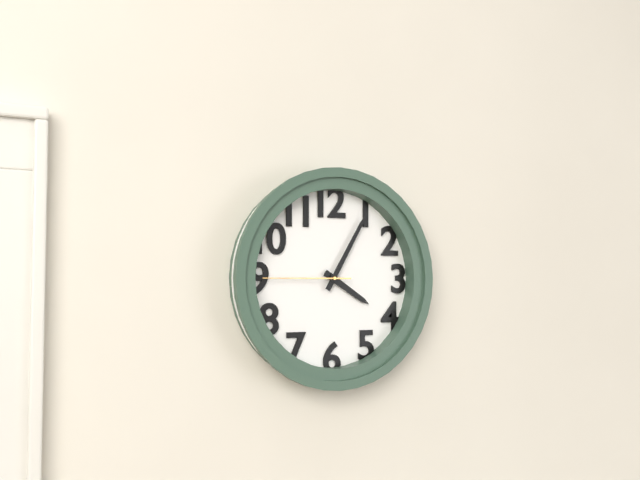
4:05:45
